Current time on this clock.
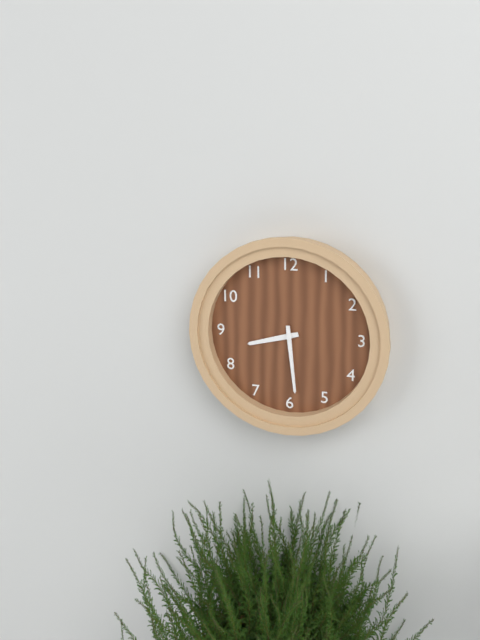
8:29
